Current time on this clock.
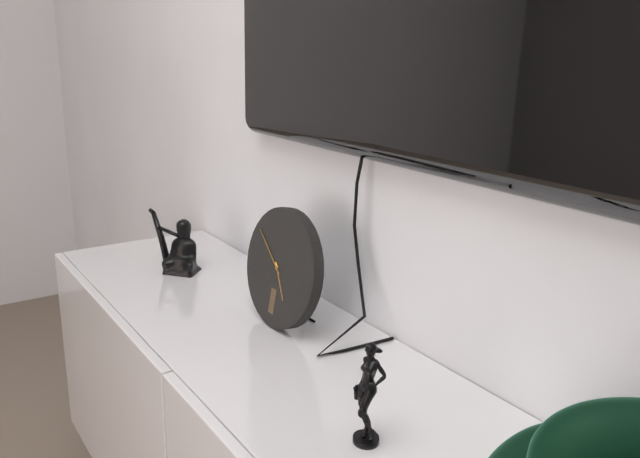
4:51
